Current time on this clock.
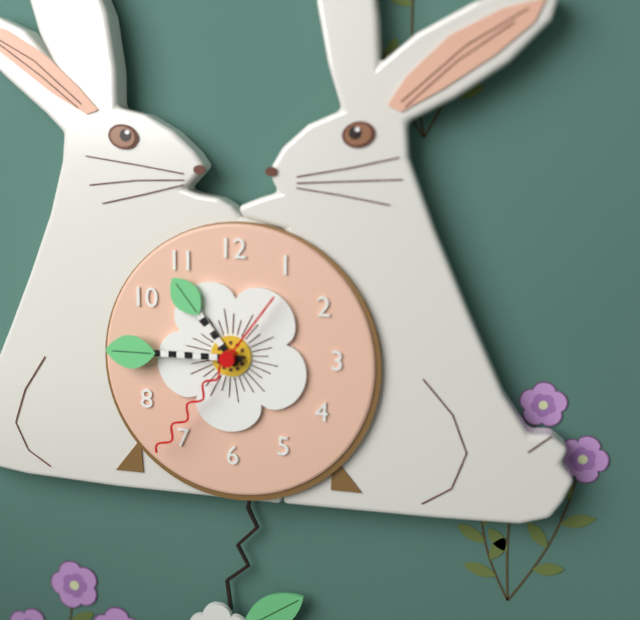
10:45:36
